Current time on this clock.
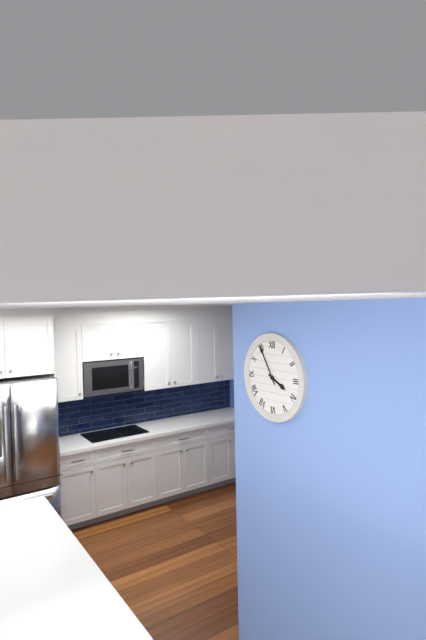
3:55
